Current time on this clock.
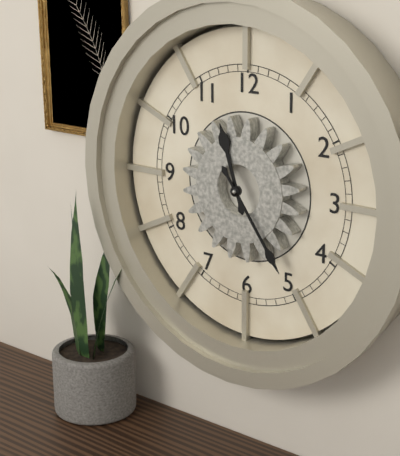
11:24
